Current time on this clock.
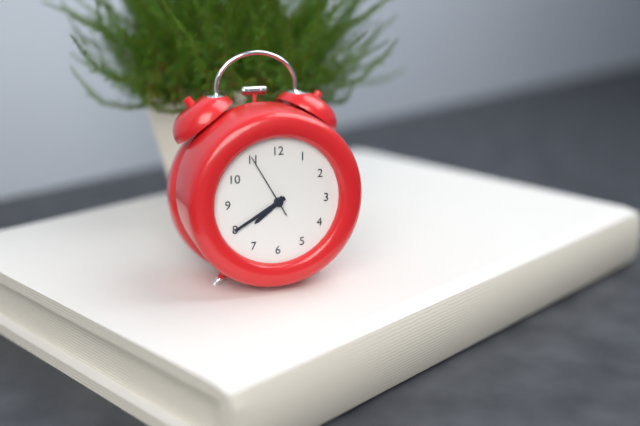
7:40:55
